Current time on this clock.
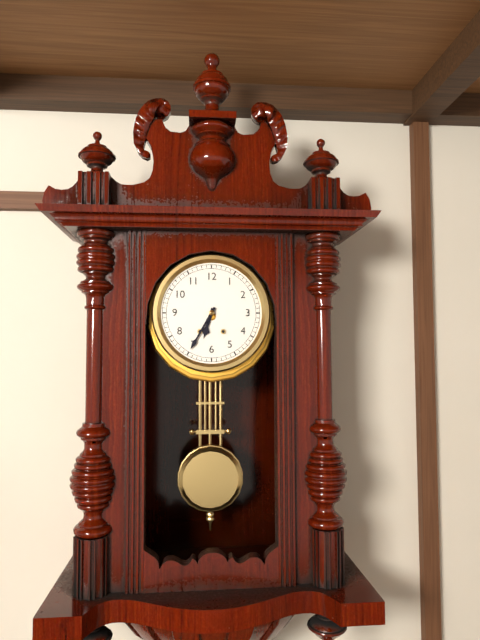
6:35
